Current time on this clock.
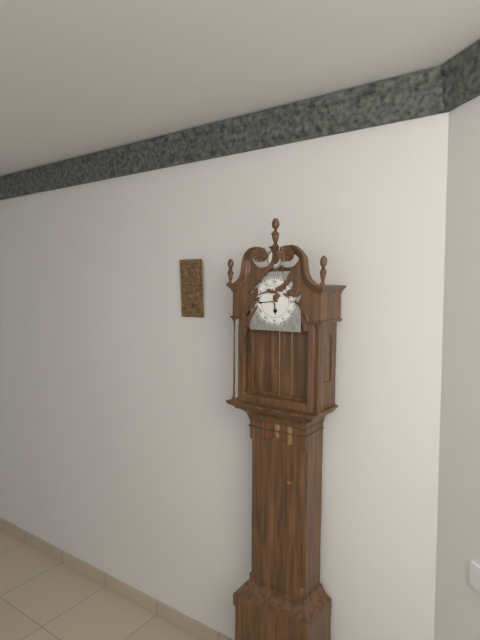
5:44
